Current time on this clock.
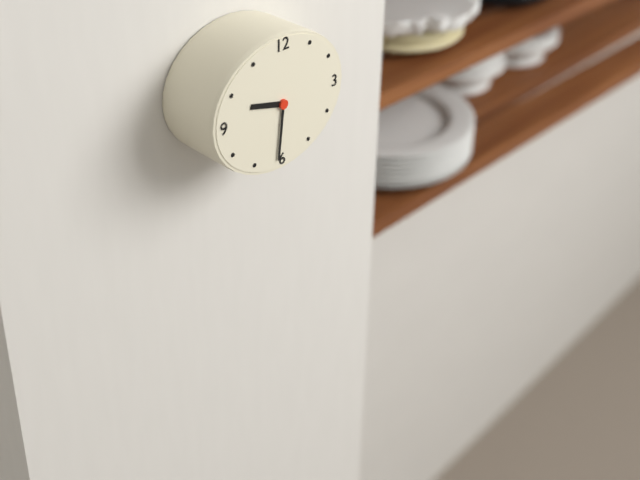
9:31
